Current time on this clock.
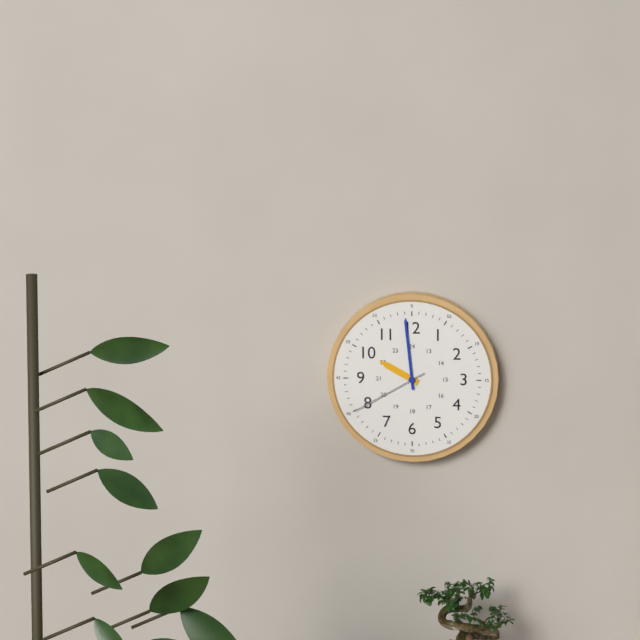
9:59:40
